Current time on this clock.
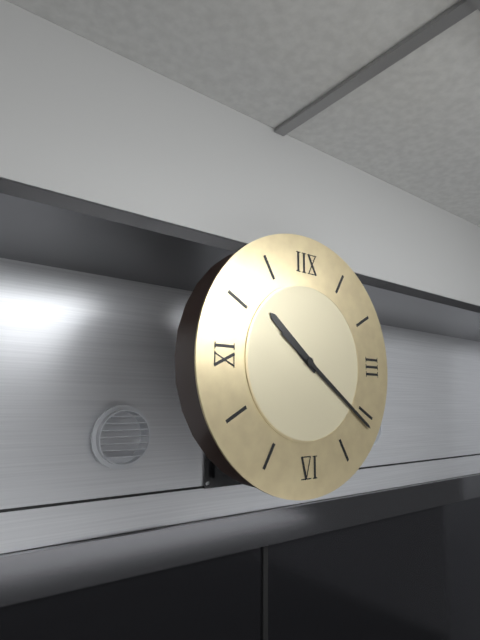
10:21
